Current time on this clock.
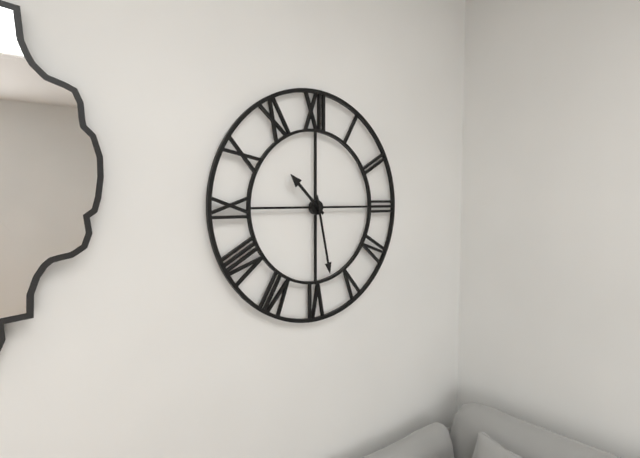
10:28
